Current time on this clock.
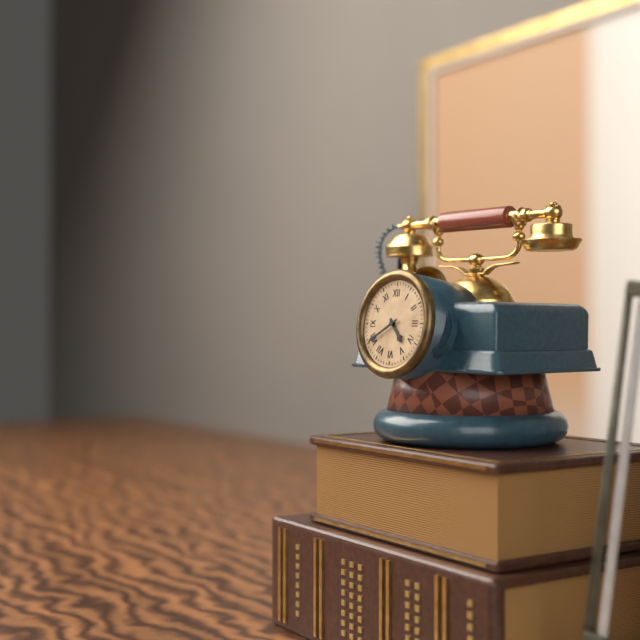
4:40
